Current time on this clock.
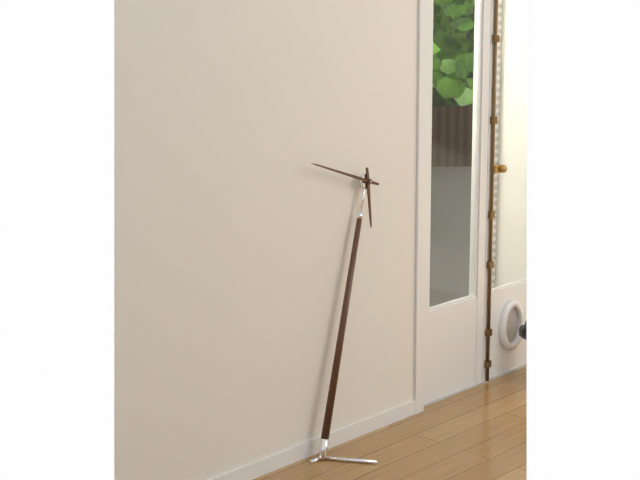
5:48
